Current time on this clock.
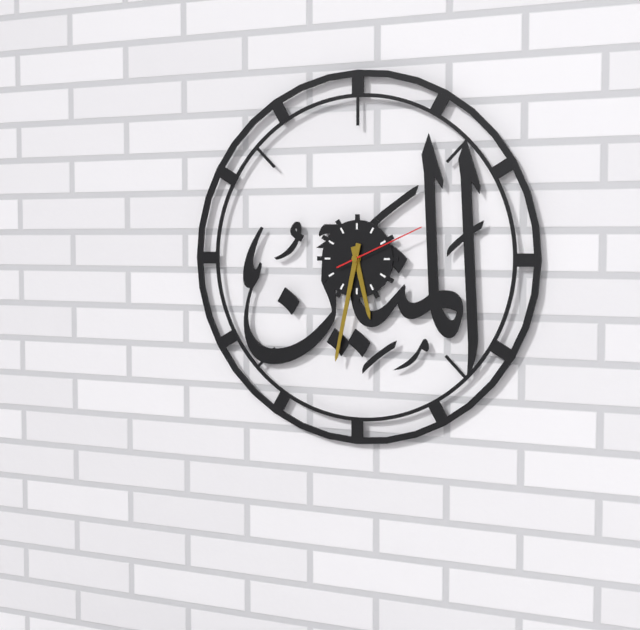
5:32:11
